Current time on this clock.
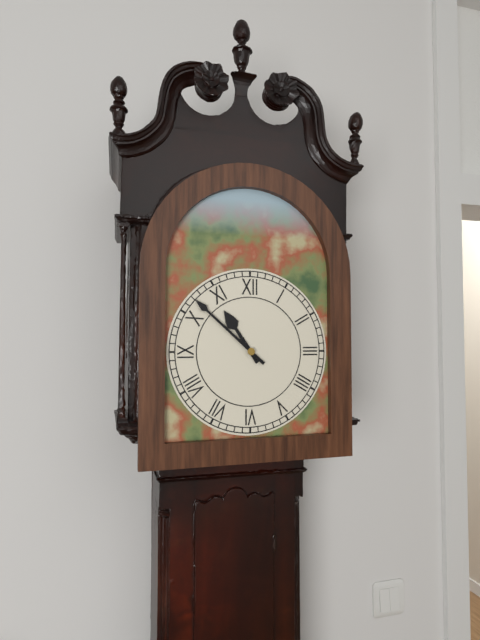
10:52
